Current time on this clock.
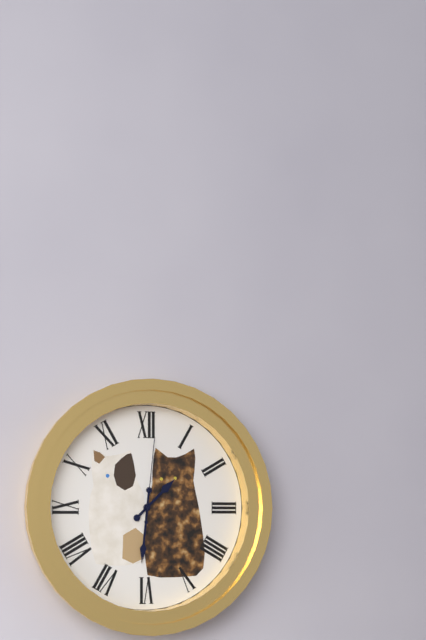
1:31:01
